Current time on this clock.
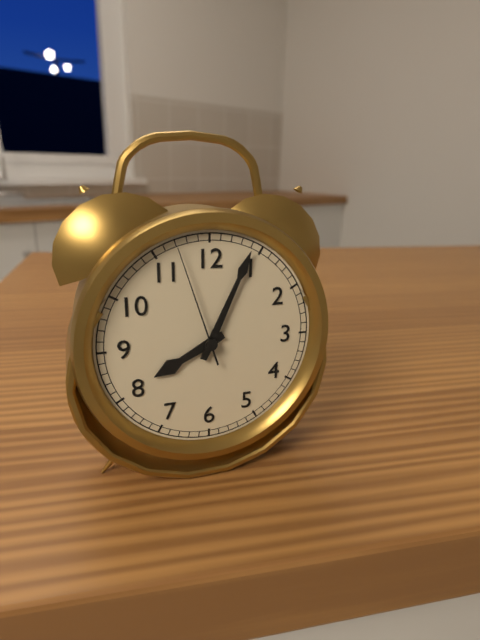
8:04:57
